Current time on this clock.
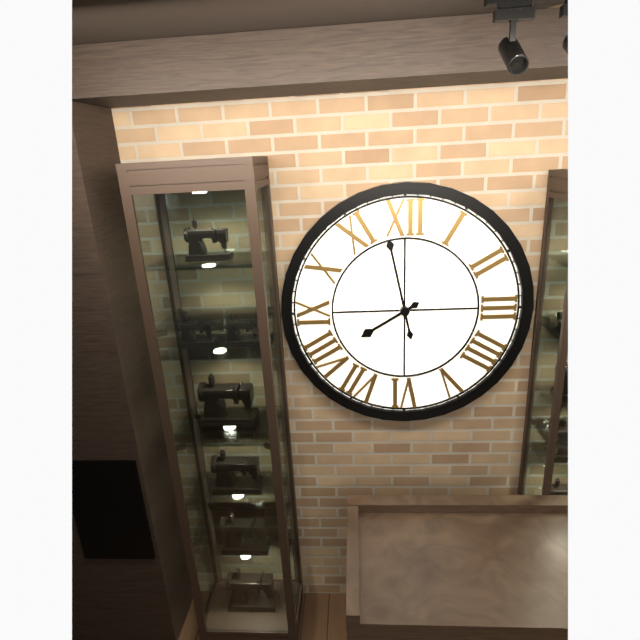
7:58
